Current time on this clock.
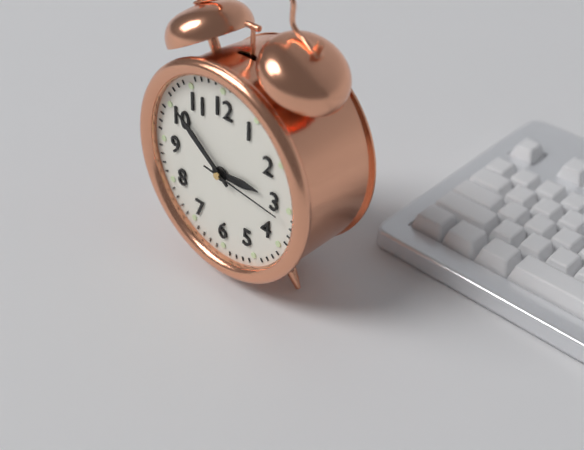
2:51:16
